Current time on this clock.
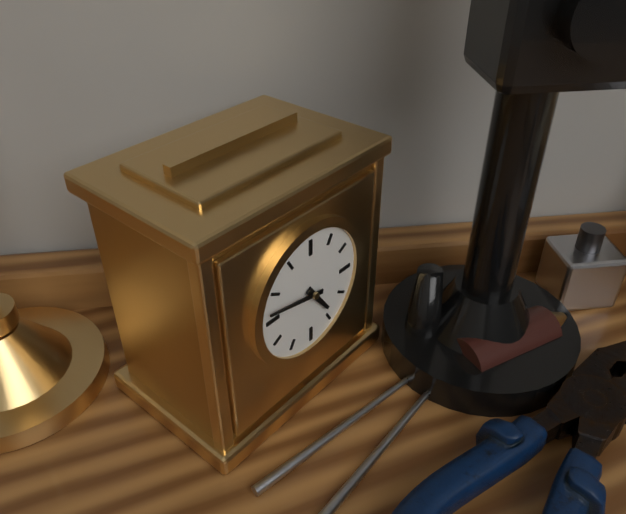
4:47
